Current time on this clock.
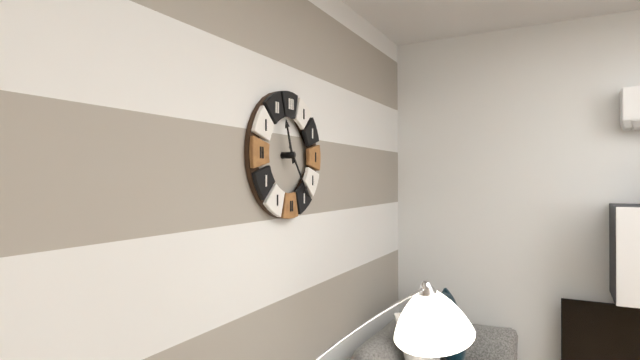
11:24
